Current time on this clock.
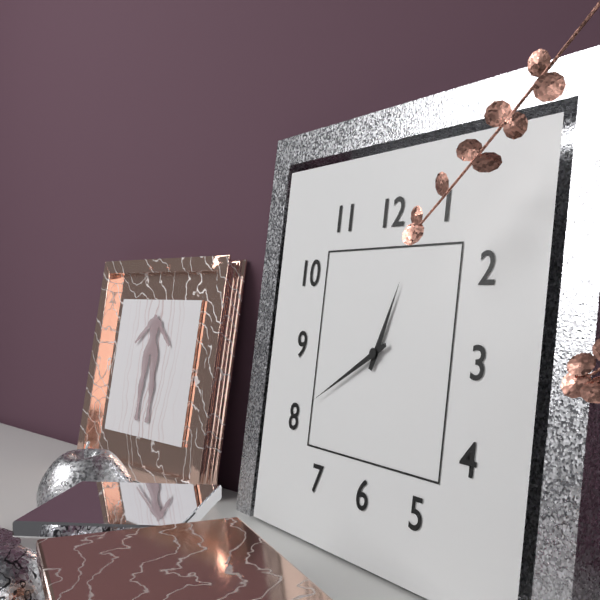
12:40
